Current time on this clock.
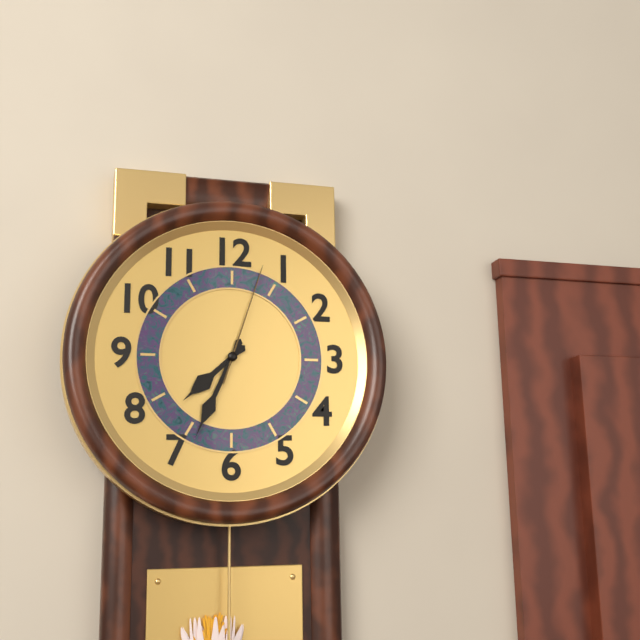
7:34:03
